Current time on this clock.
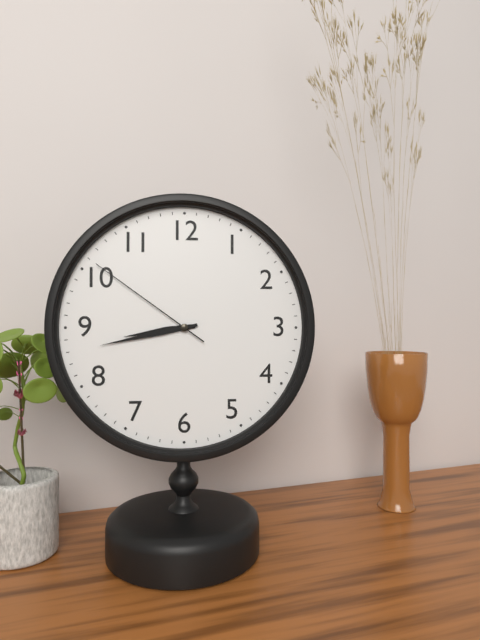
8:43:51
